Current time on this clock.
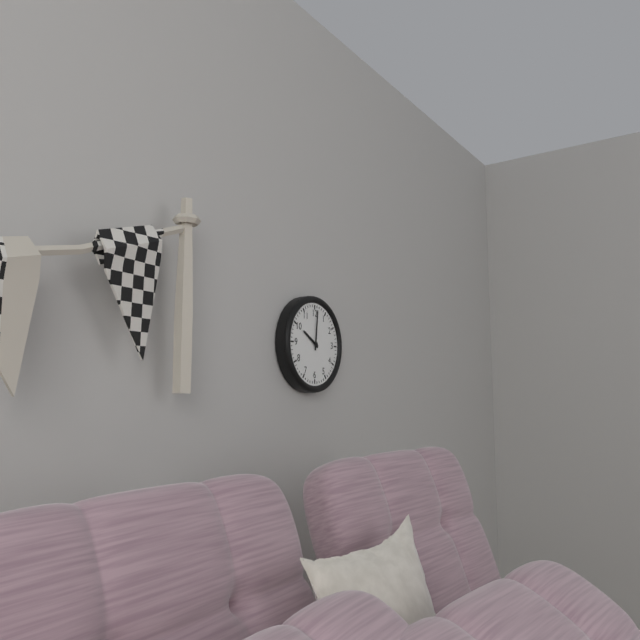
10:01
